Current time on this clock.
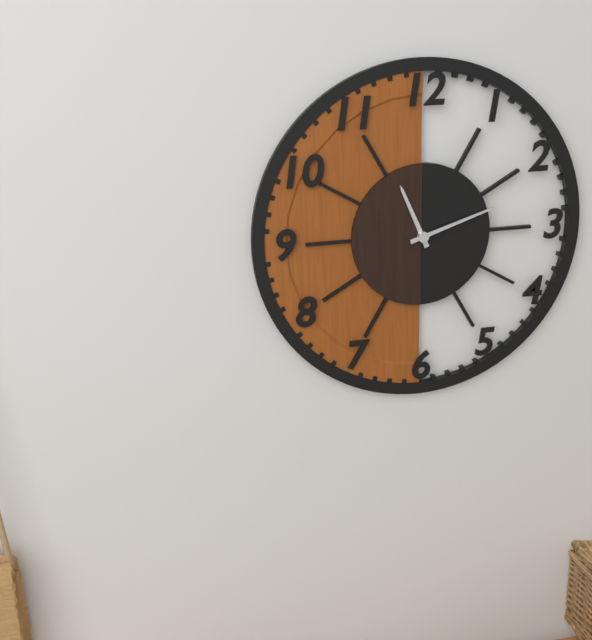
11:12
